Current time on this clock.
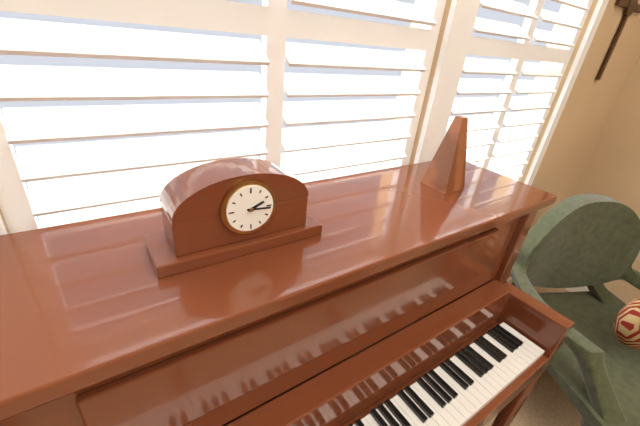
2:16
